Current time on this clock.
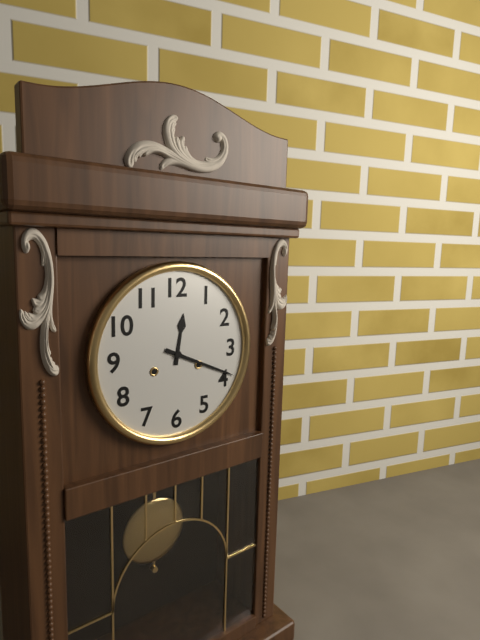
12:19
